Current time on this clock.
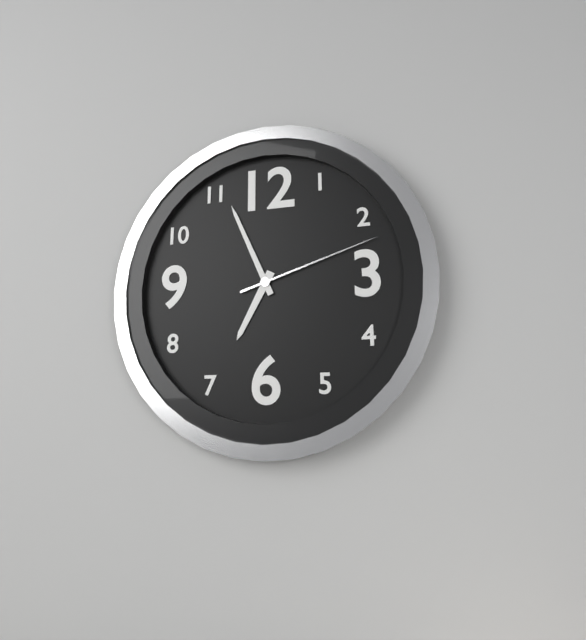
6:56:12
